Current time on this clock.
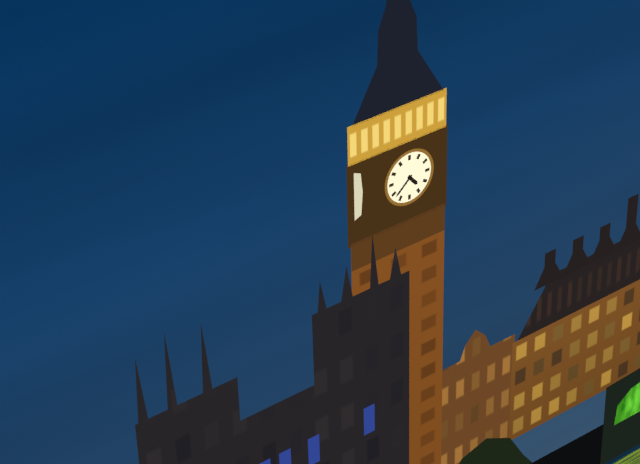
4:38
